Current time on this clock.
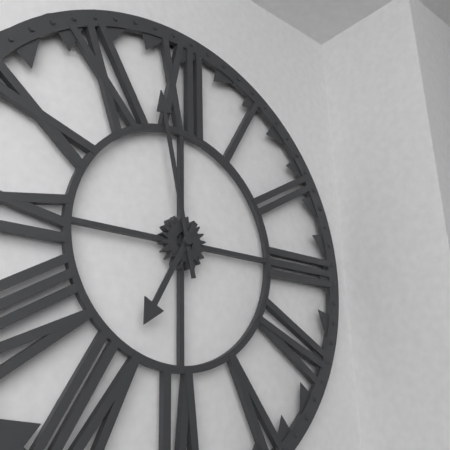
6:58
